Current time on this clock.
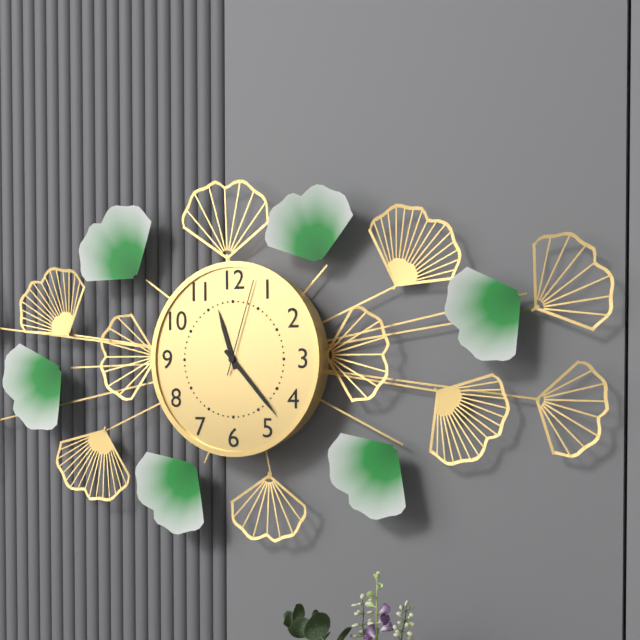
11:23:03
